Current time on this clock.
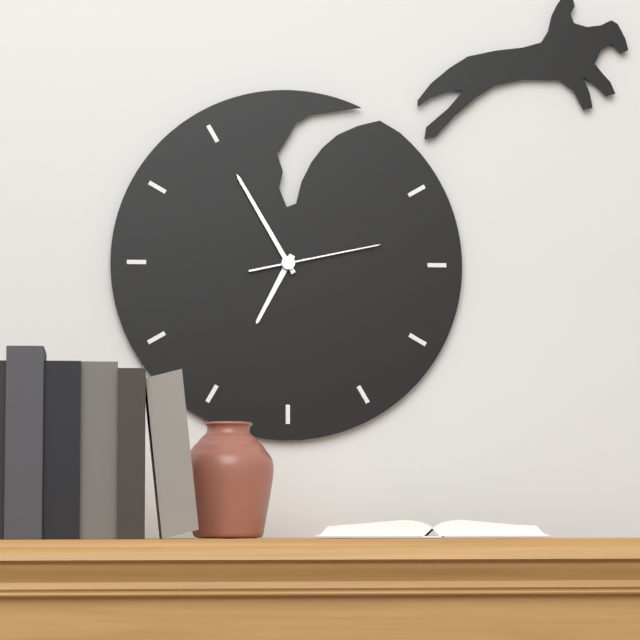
6:55:13
